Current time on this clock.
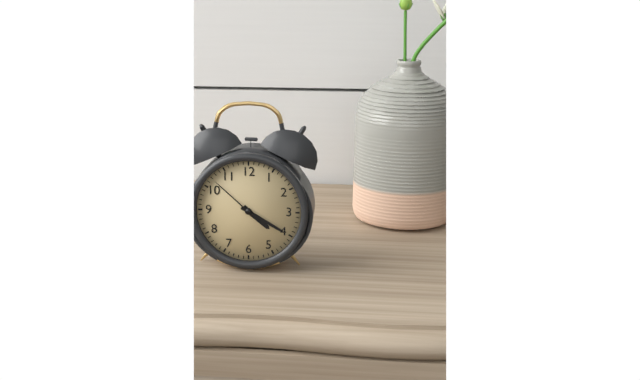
4:20:52
